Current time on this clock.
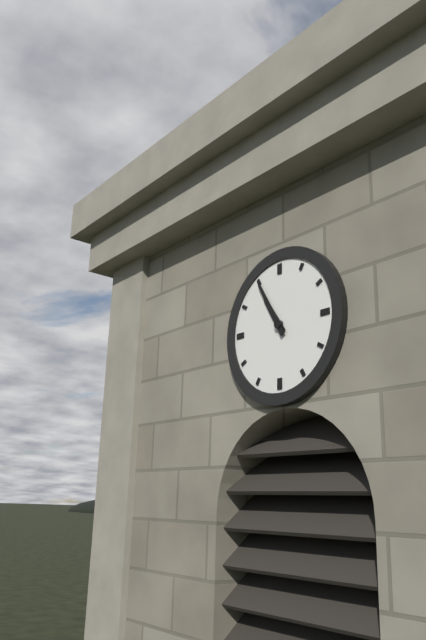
10:55
